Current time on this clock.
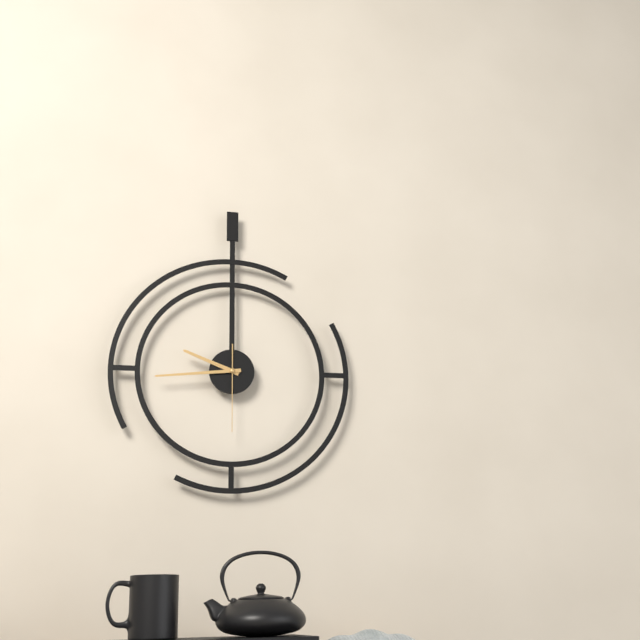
9:44:30
